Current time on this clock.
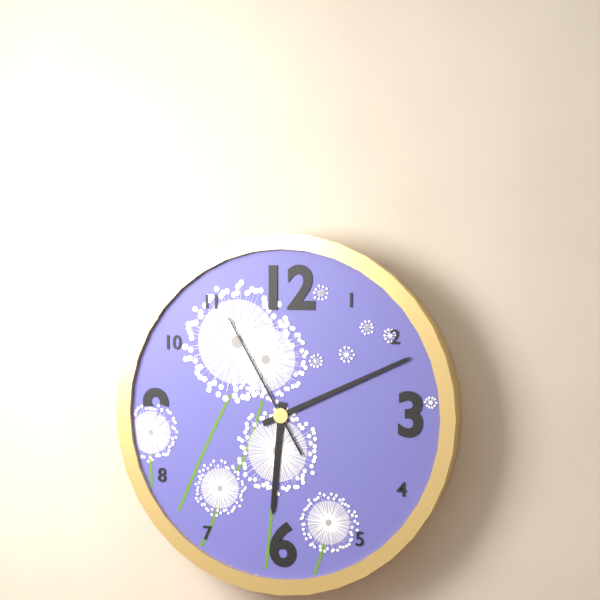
6:11:55
